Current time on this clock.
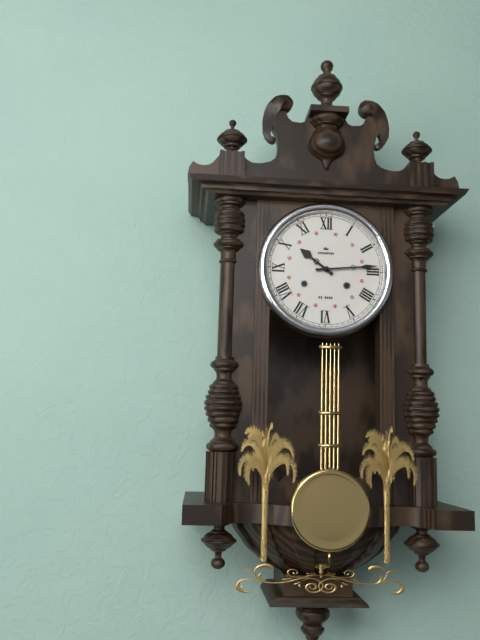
10:14
